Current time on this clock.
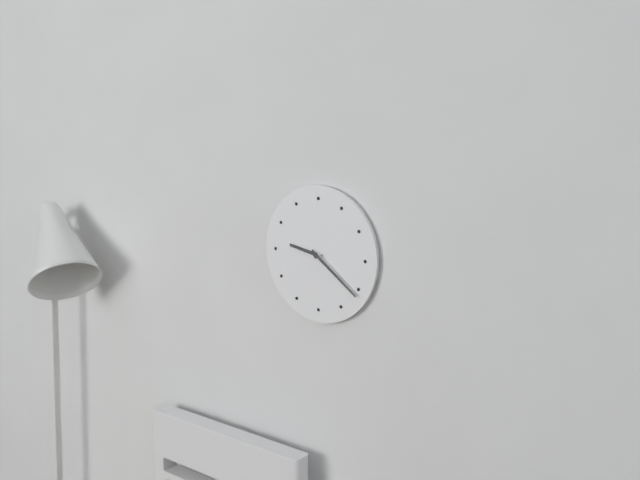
9:21
